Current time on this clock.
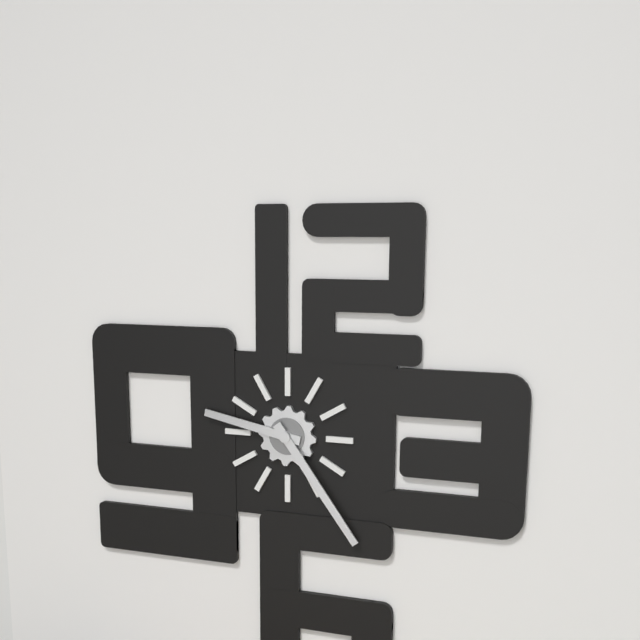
9:24
